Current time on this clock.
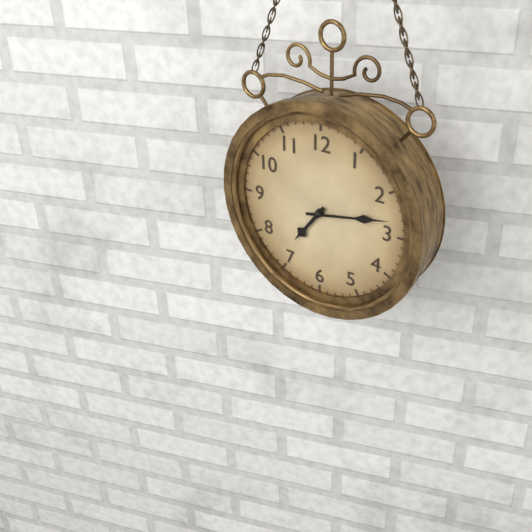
7:13
